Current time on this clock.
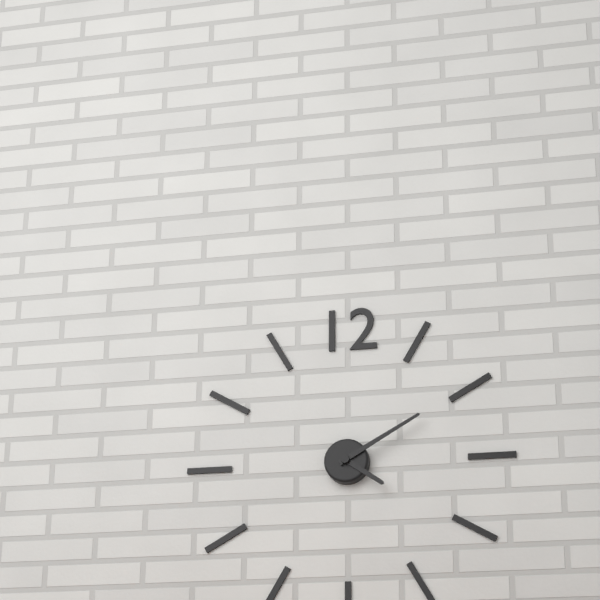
4:10
